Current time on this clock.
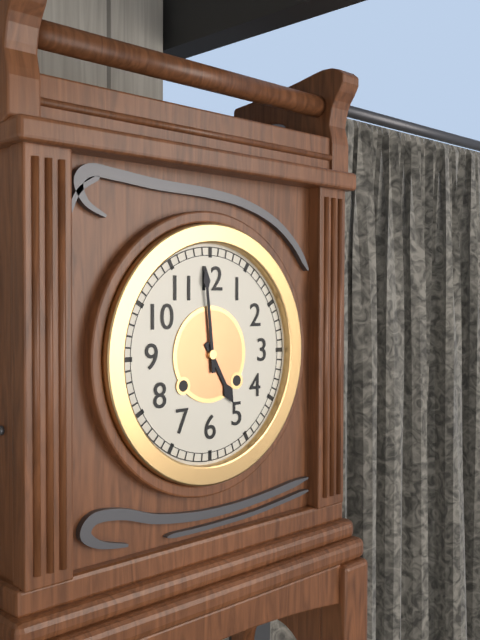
4:59
